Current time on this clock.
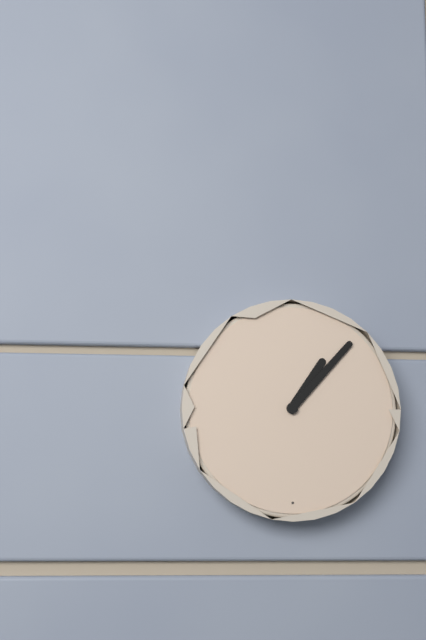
1:07
